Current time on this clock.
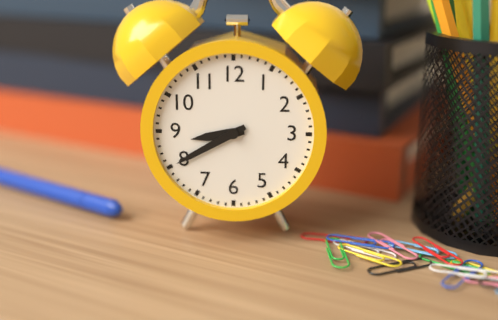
8:40
